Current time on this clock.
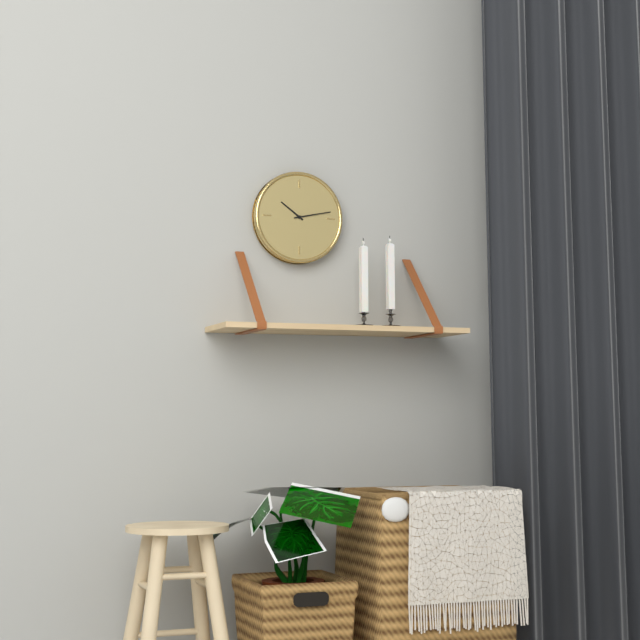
10:13
